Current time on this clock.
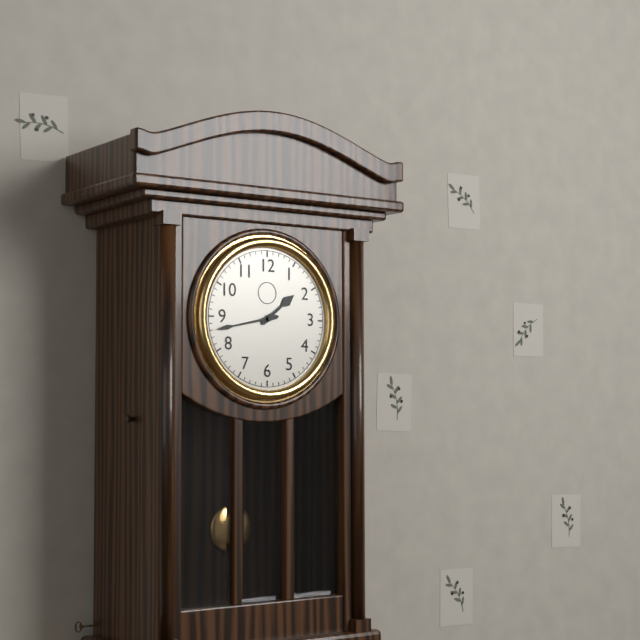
1:43
